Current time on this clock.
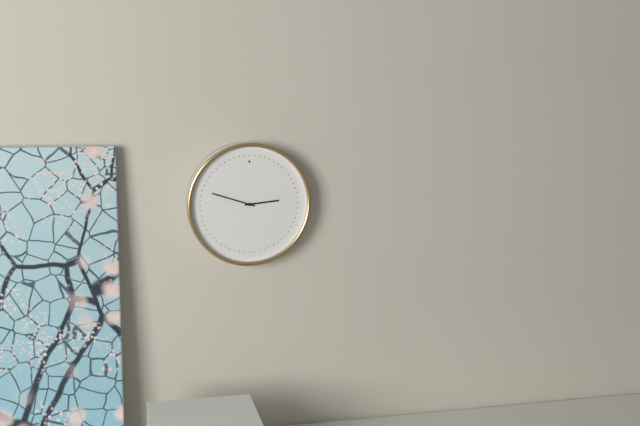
2:48
